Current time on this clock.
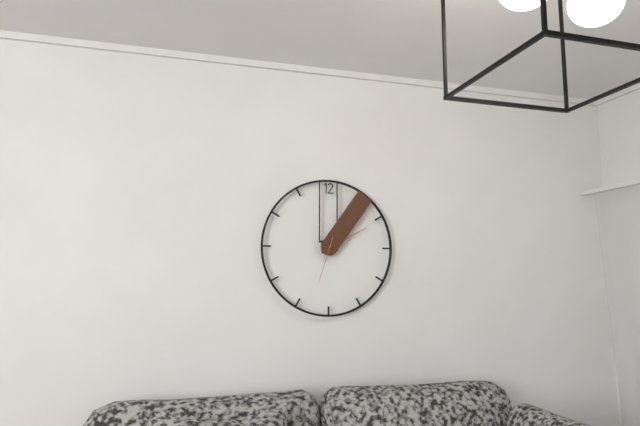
2:06
